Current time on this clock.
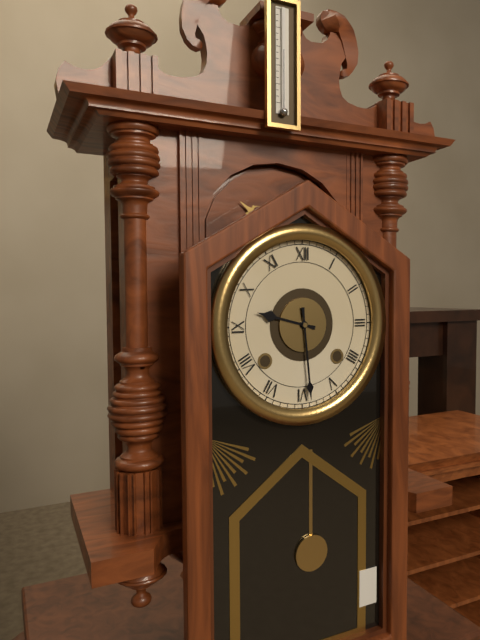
9:29
